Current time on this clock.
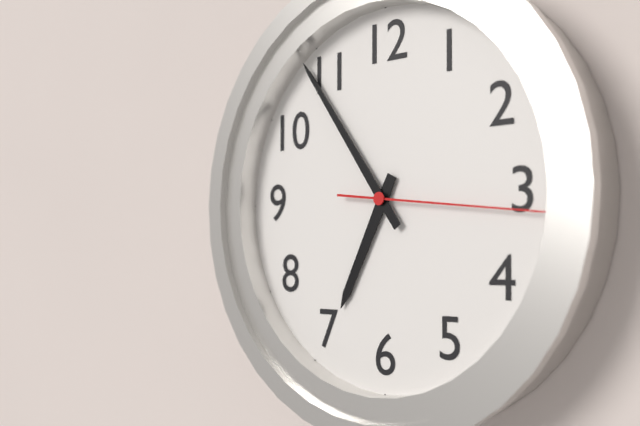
6:54:16
